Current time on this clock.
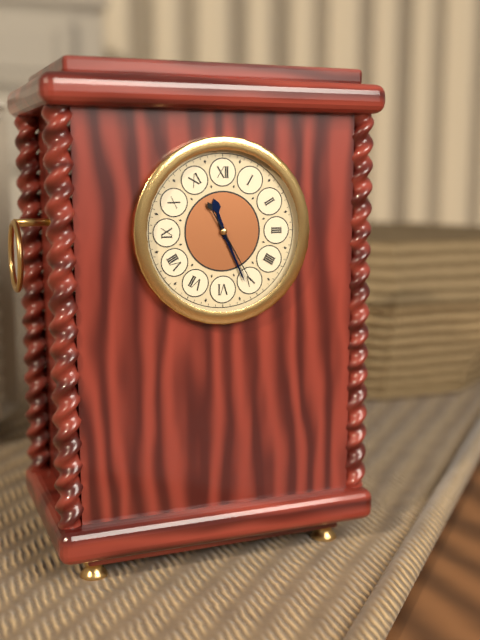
11:26:25
